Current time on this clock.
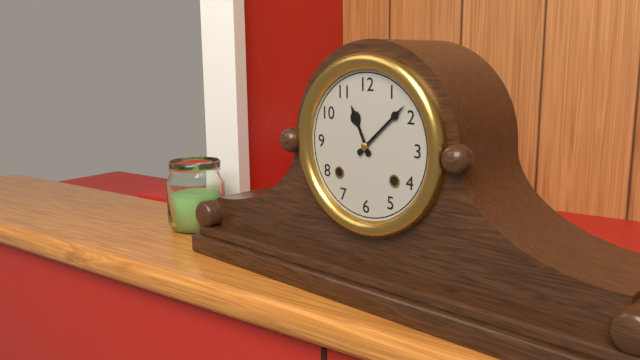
11:08
